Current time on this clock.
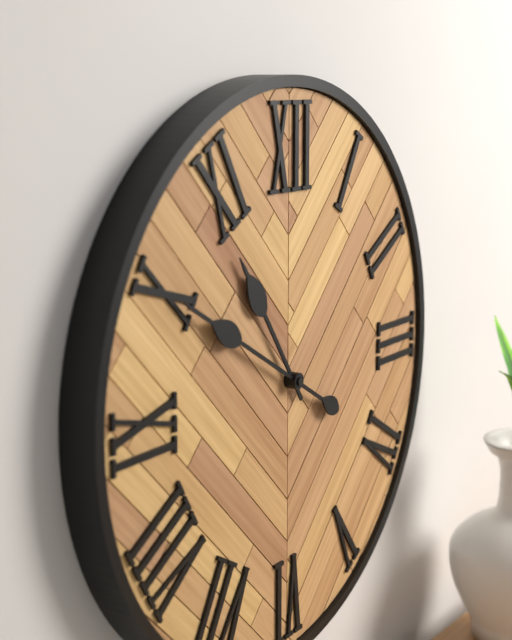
10:50
